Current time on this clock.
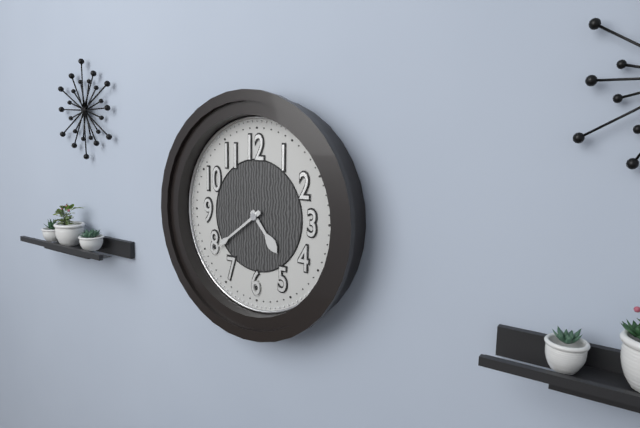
4:39
